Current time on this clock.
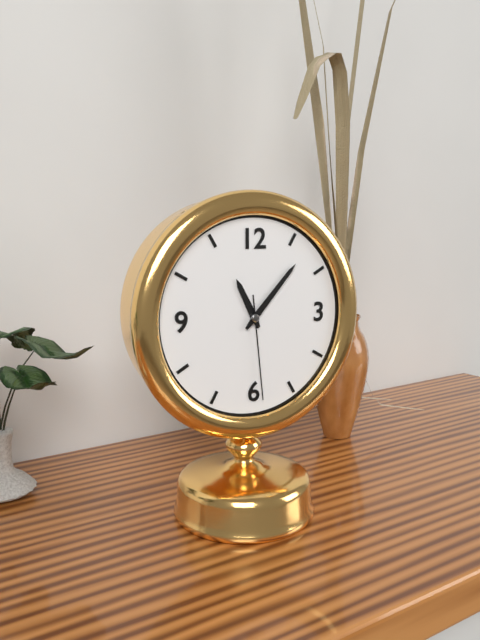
11:07:29
